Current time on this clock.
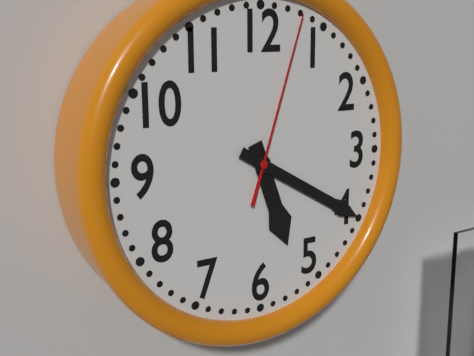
5:20:03
